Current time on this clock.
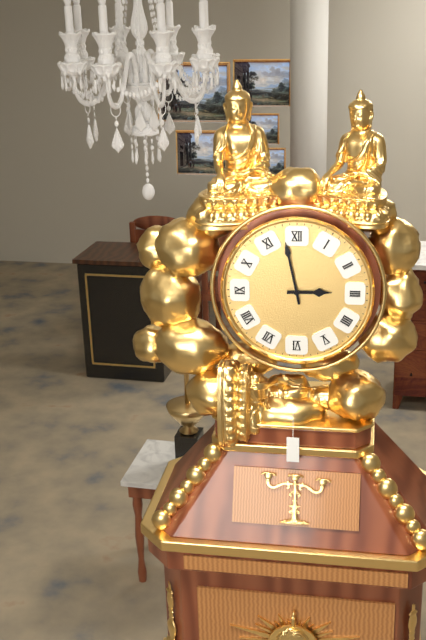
2:58
